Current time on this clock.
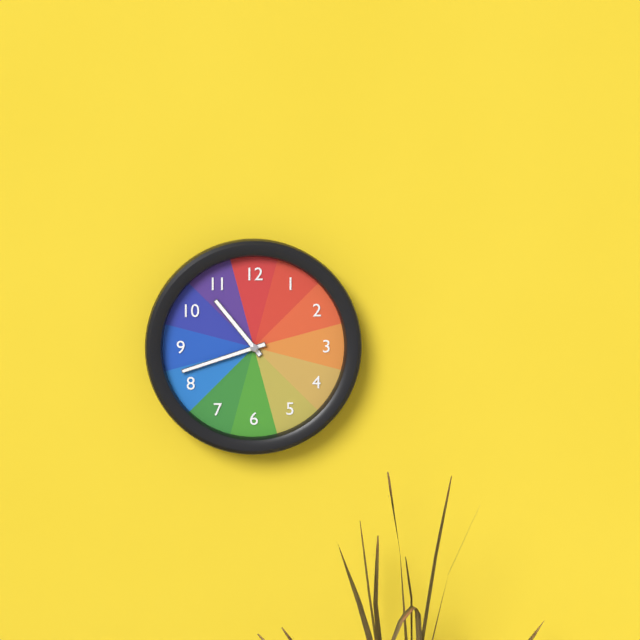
10:42
